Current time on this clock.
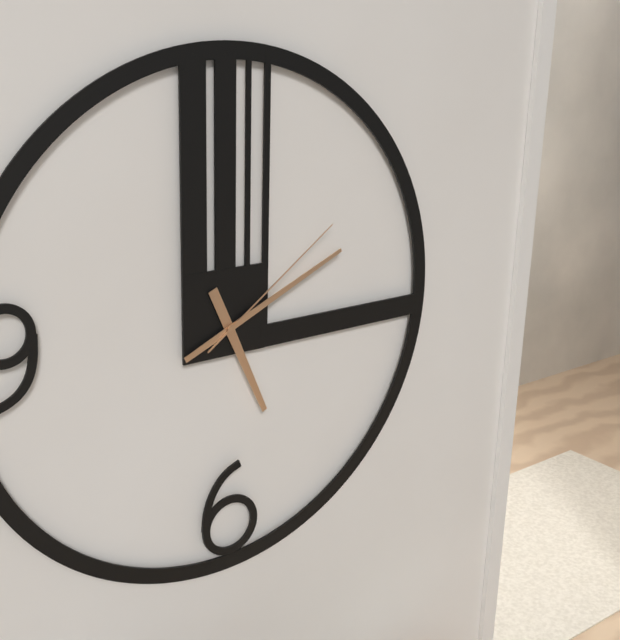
5:11:09
